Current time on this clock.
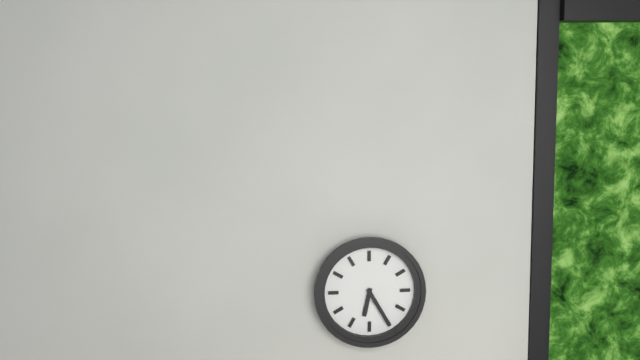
6:25
